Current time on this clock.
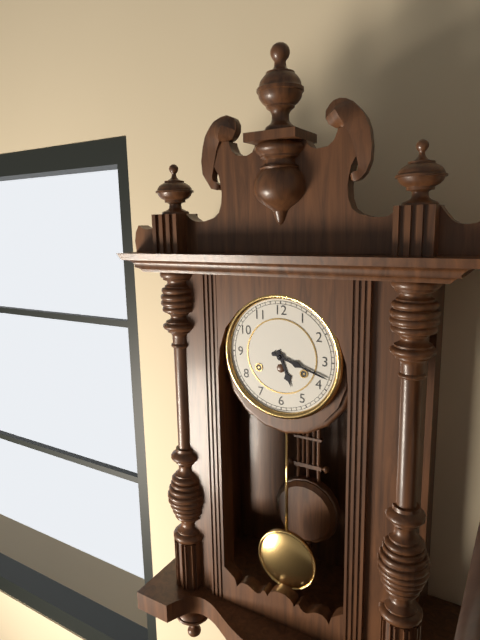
5:18
